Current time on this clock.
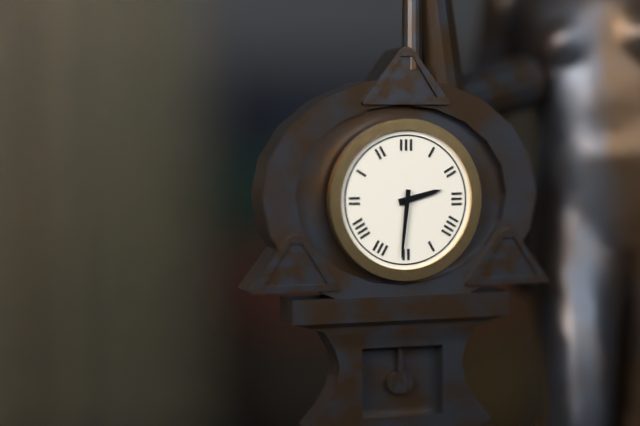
2:31
